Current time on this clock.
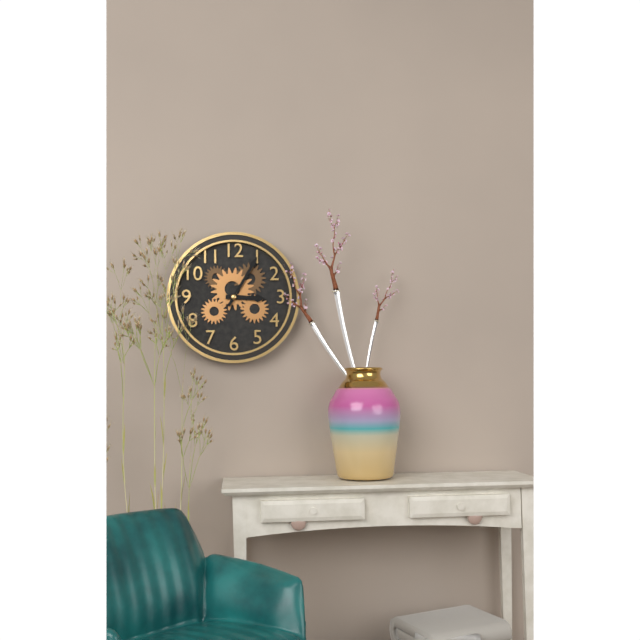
3:05
